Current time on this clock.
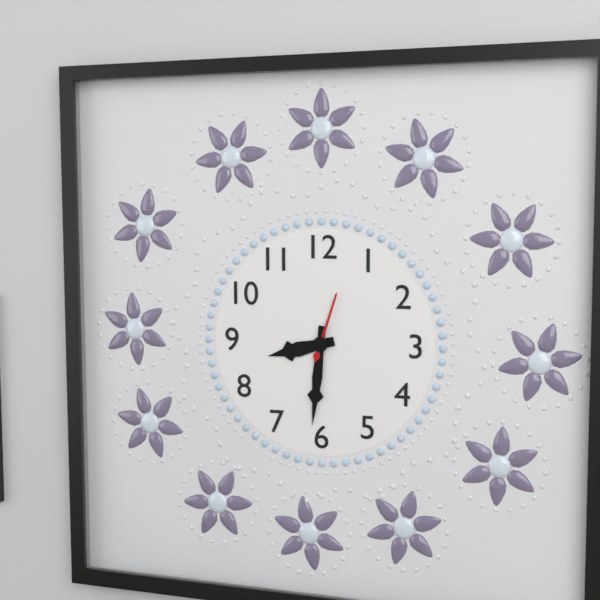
8:31:03
